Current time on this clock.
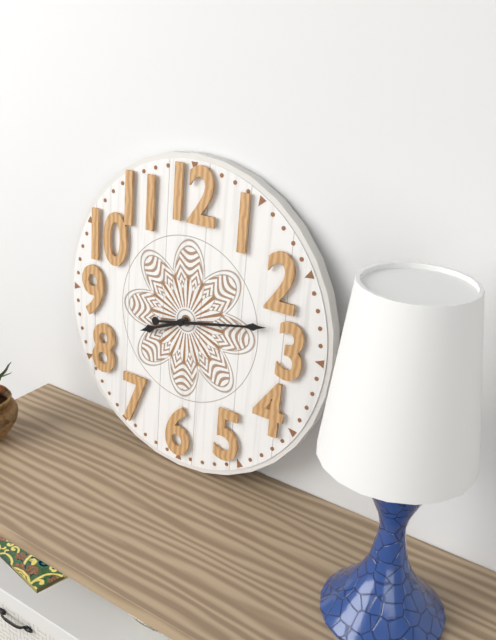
8:13
